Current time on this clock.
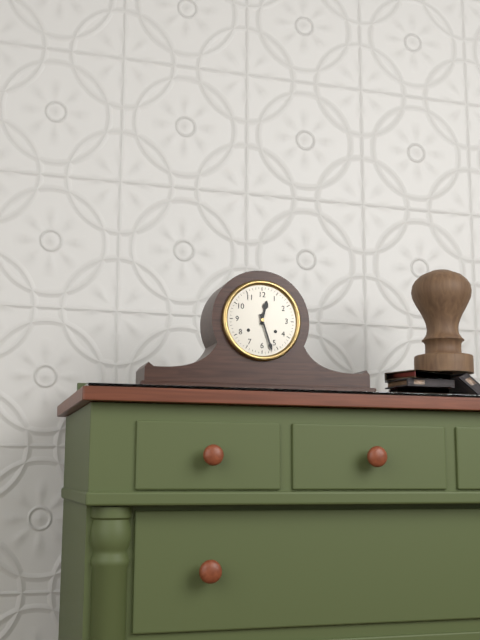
12:27
